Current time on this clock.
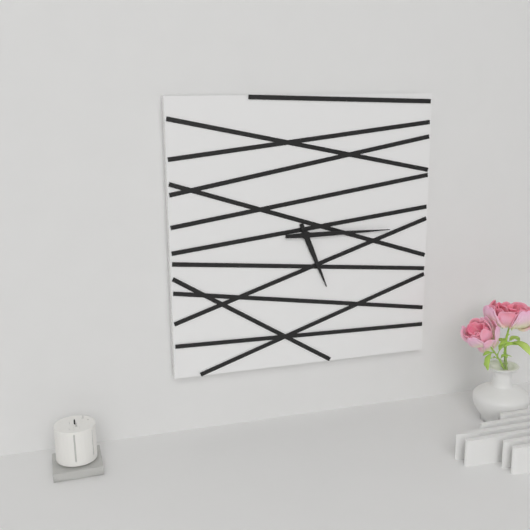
5:15
